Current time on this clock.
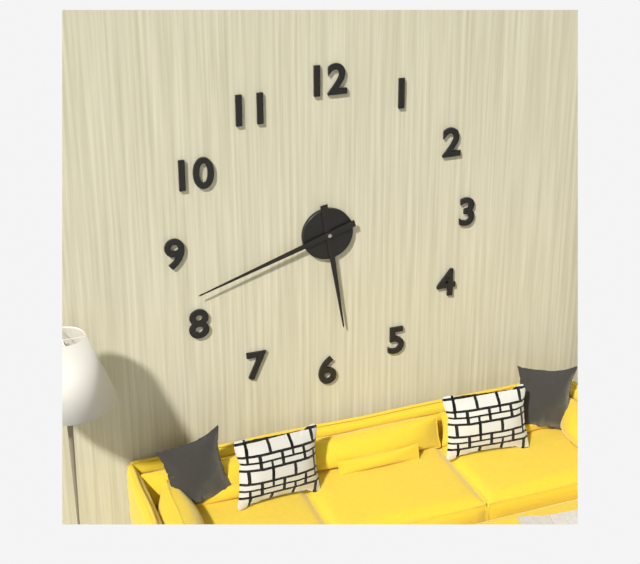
5:42
